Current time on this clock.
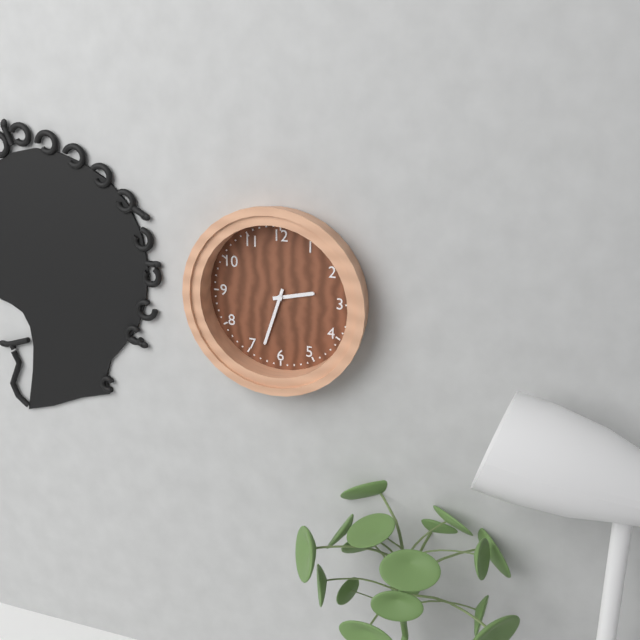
2:33
